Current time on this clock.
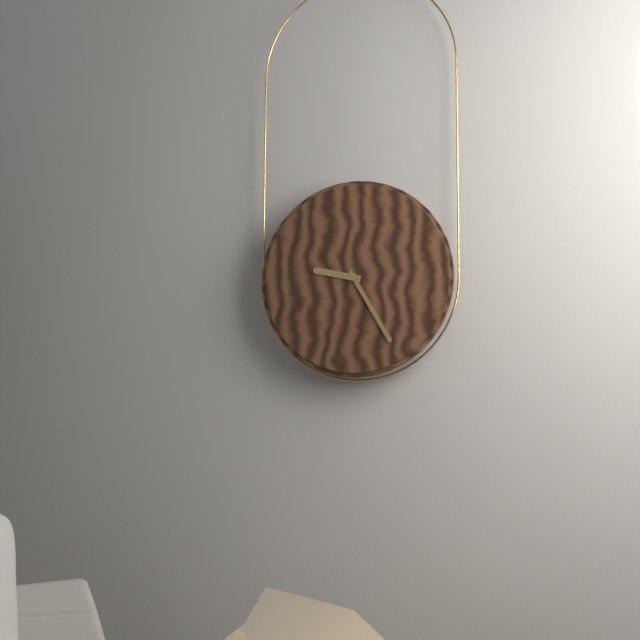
9:25
